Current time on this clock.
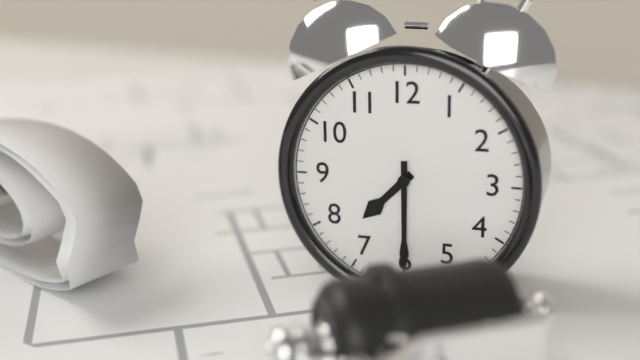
7:30
